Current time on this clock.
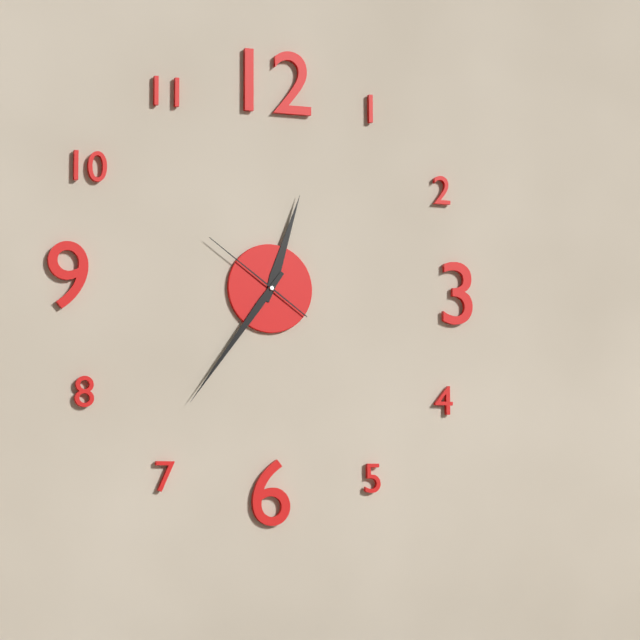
12:36:51
